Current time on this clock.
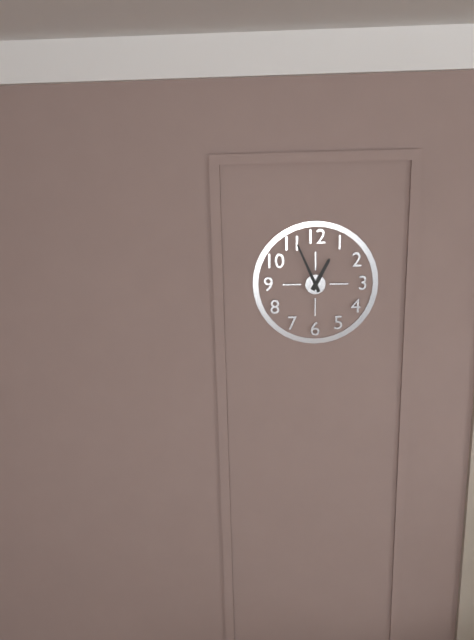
12:56
